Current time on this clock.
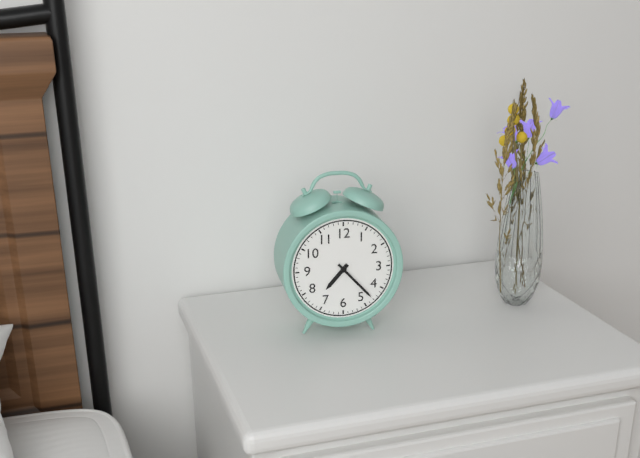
7:23
